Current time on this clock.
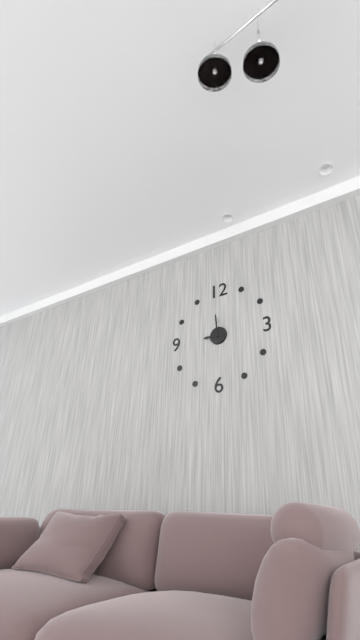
8:59
